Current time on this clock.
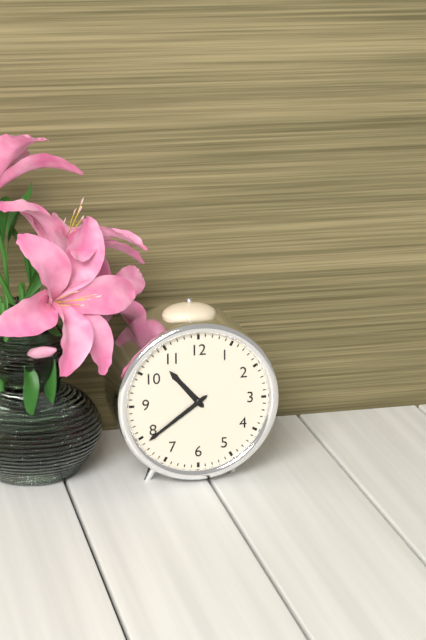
10:39
